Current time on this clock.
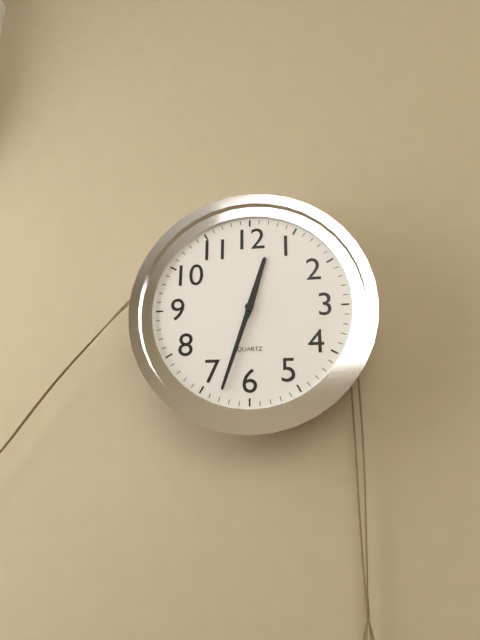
12:33
